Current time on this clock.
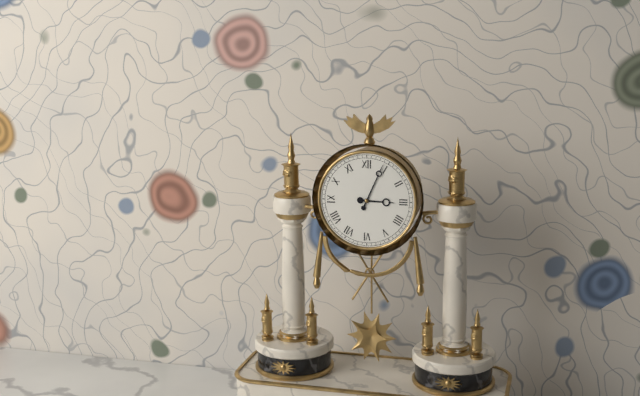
3:04
